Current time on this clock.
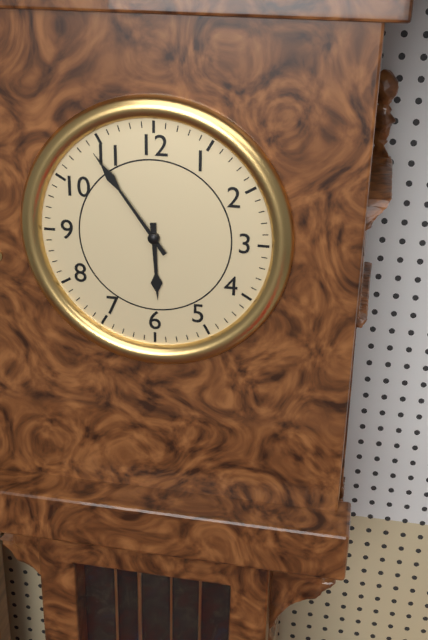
5:54
